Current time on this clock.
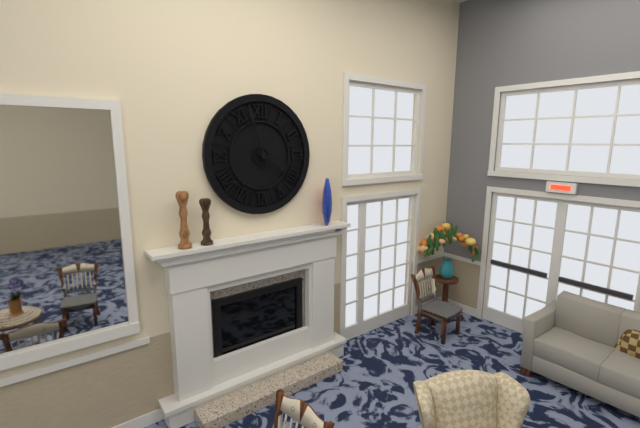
3:57
